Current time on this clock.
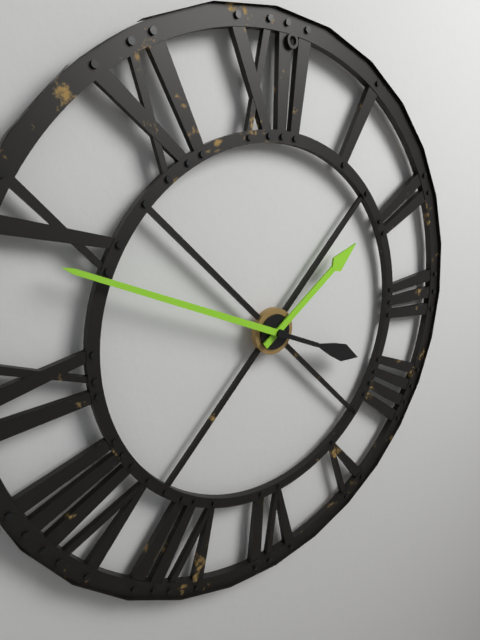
1:49
